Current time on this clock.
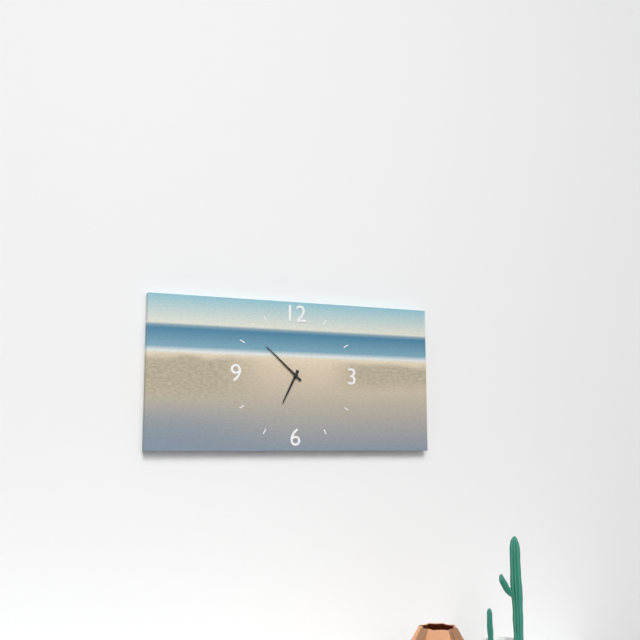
6:52
